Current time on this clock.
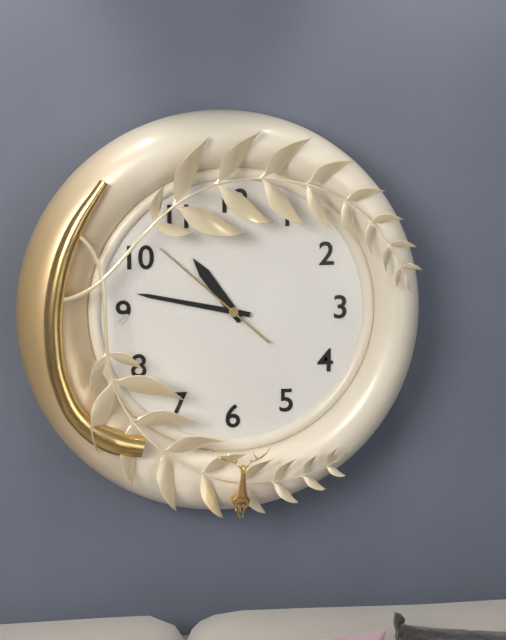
10:47:52
